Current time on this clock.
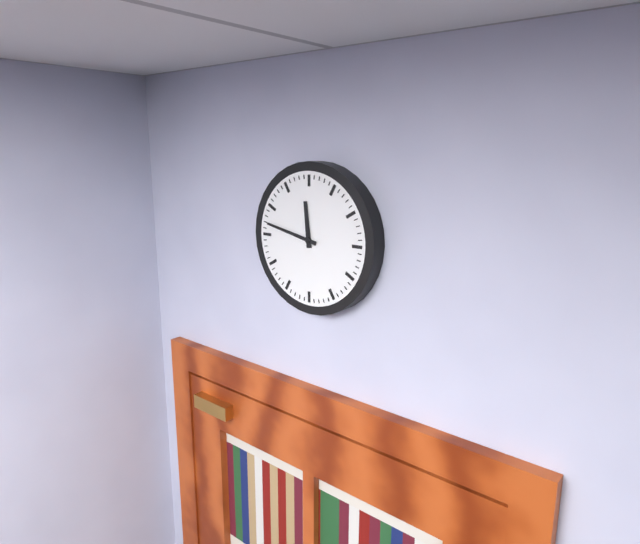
11:47
